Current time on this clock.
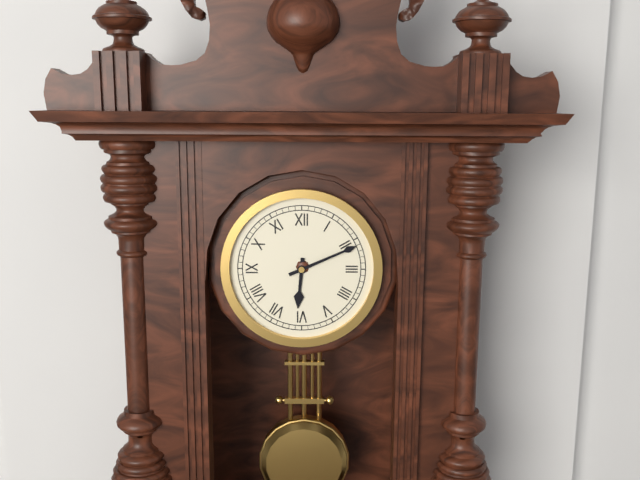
6:11
